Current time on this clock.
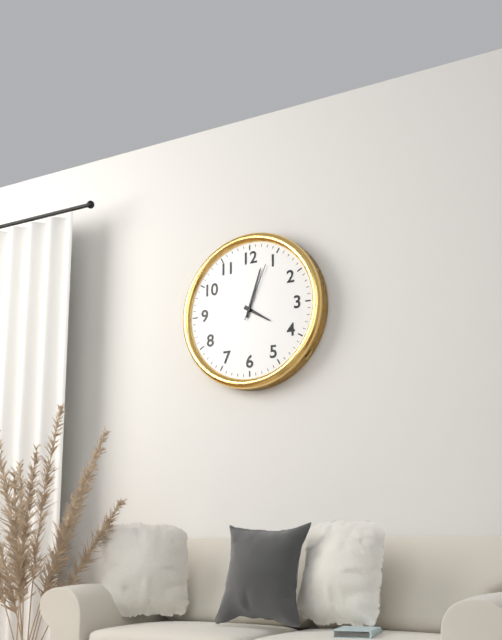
4:03:04
